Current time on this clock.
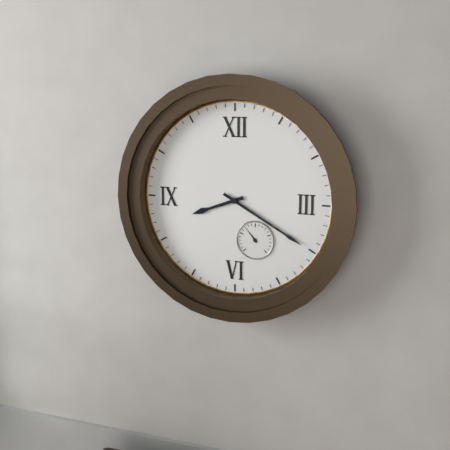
8:20
